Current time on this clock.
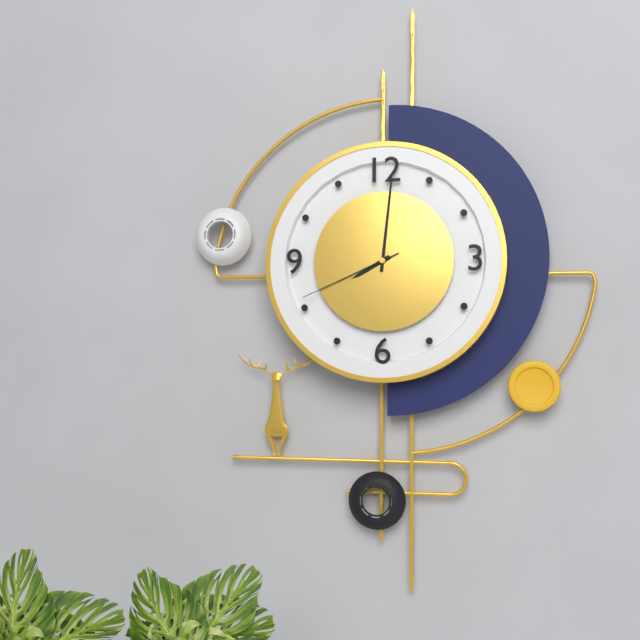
8:01:41
